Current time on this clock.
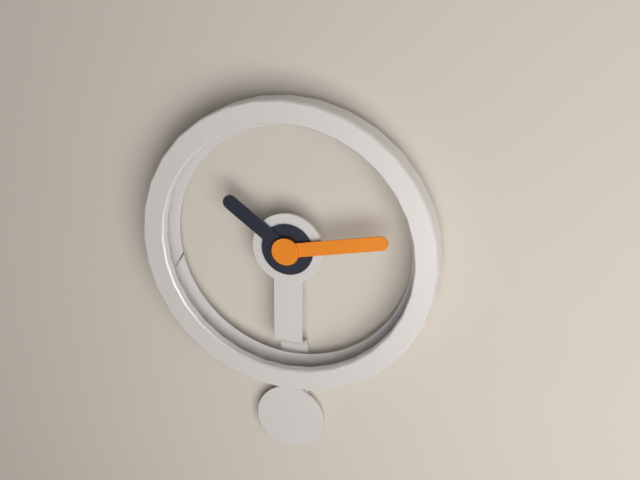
10:13
